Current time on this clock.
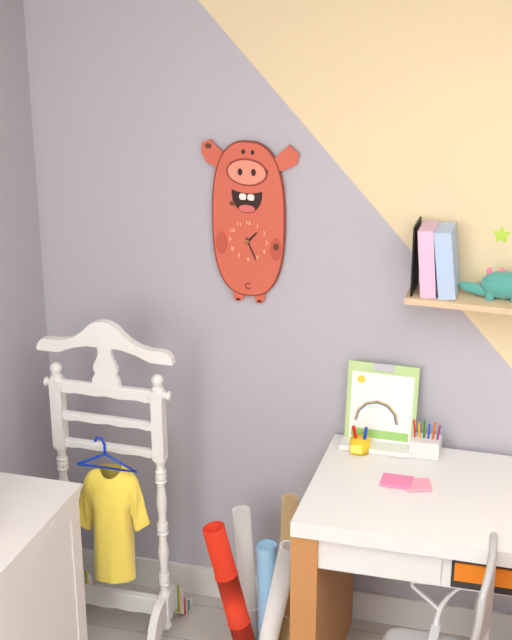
1:26
